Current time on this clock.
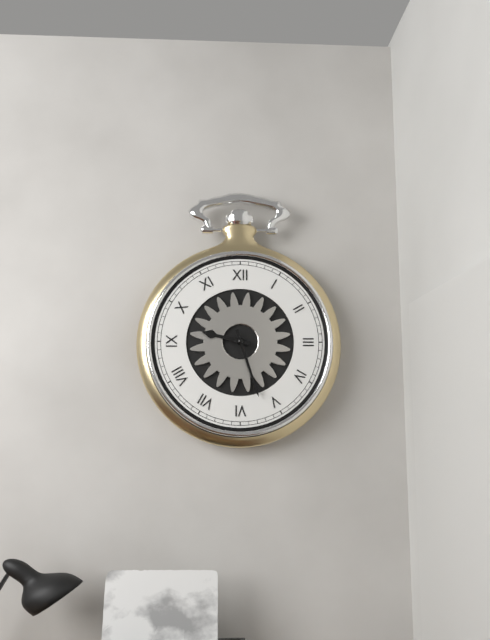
9:27
